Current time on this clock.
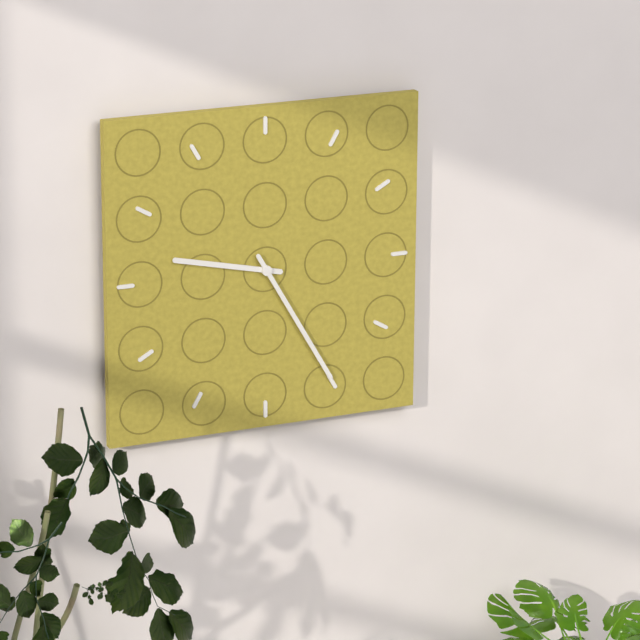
9:25
